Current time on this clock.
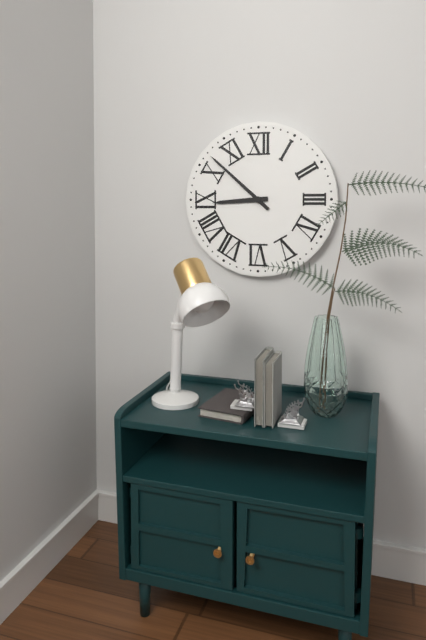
8:52
